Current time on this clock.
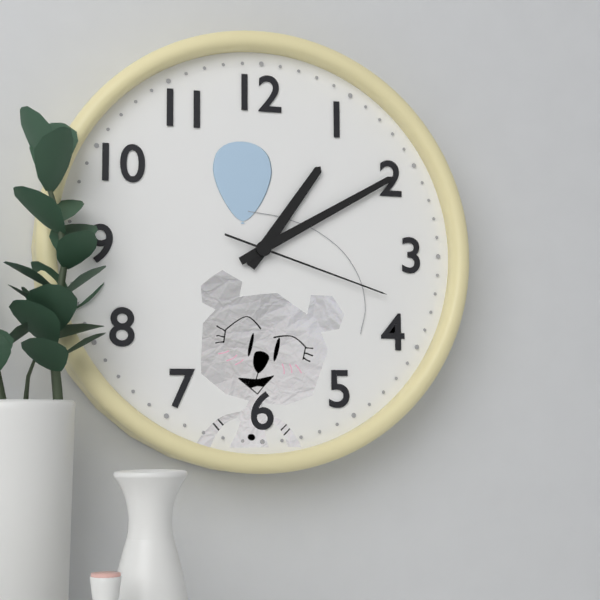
1:10:18
